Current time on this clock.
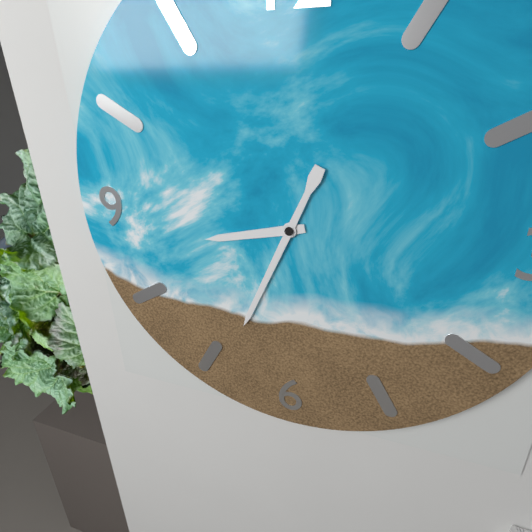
8:34
